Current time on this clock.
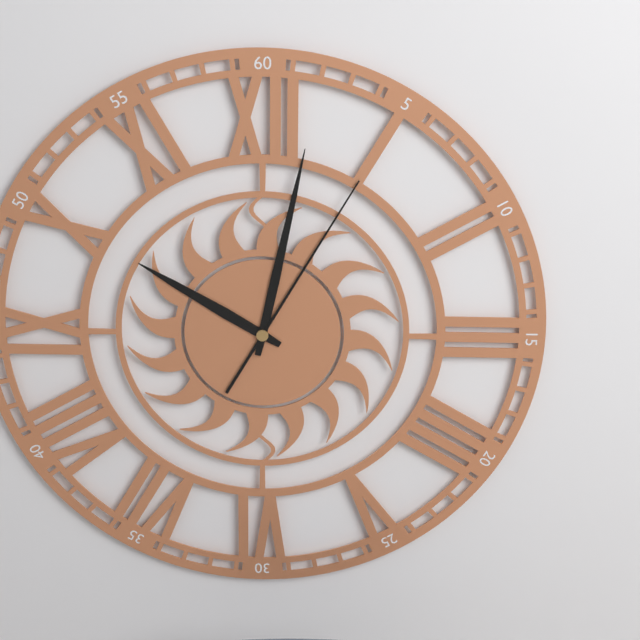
10:02:05
